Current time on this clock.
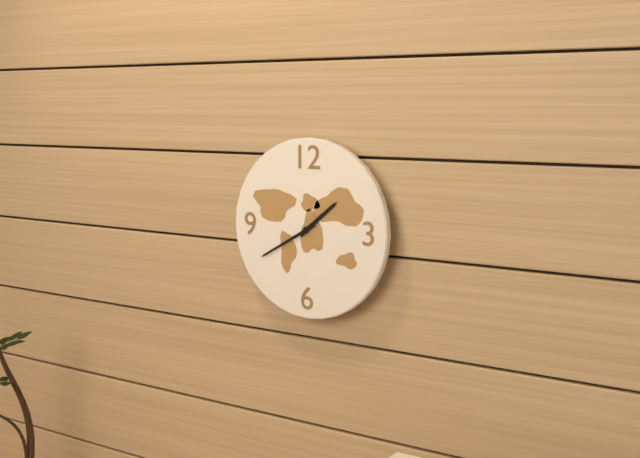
1:40
